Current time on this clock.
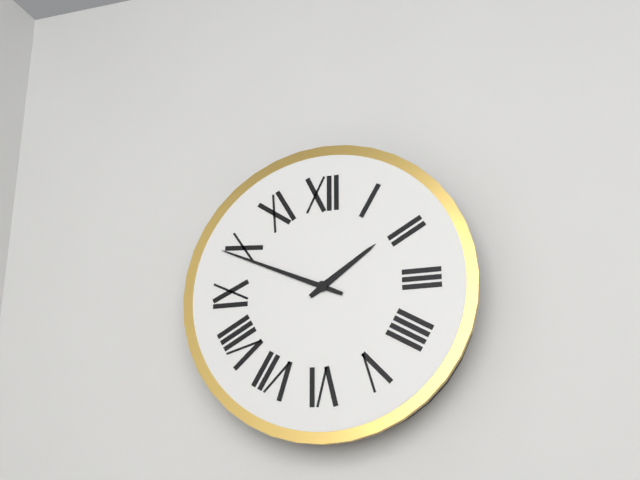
1:49
